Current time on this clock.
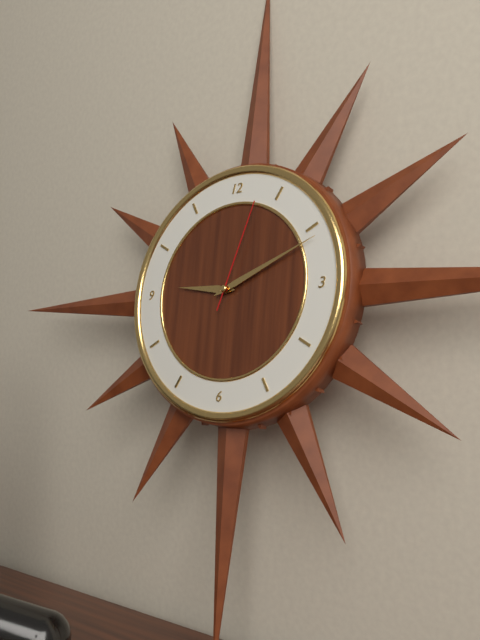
9:11:03
